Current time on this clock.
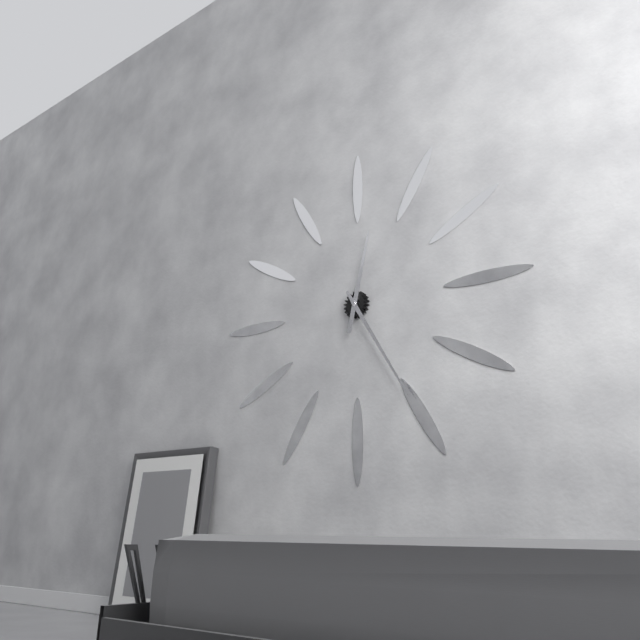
12:25
